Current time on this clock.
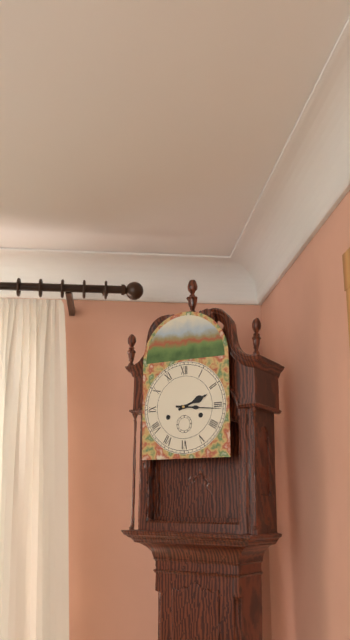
2:16
